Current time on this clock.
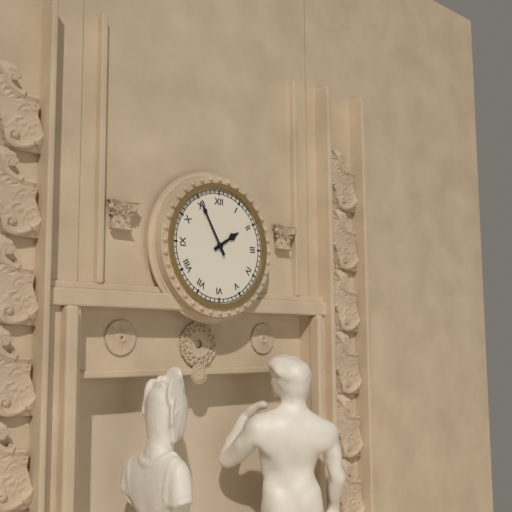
1:55
